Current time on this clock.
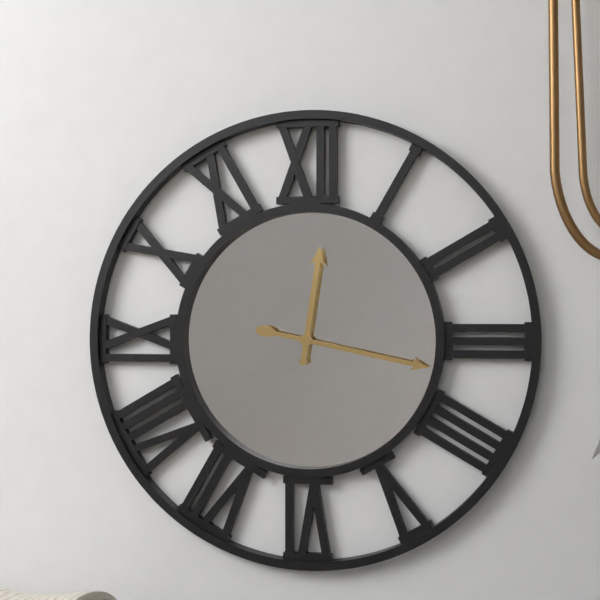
12:17
